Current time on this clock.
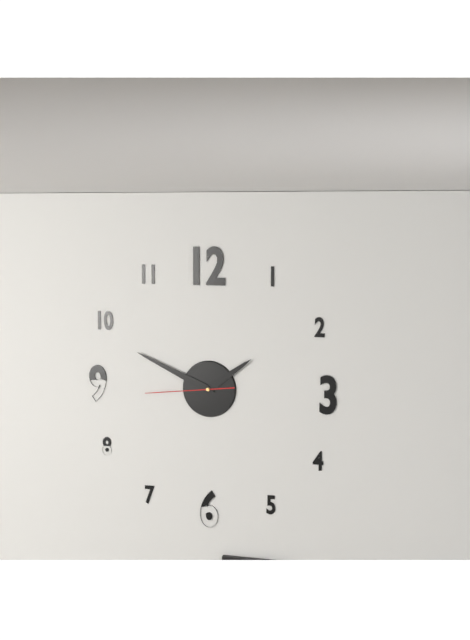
1:49:44
